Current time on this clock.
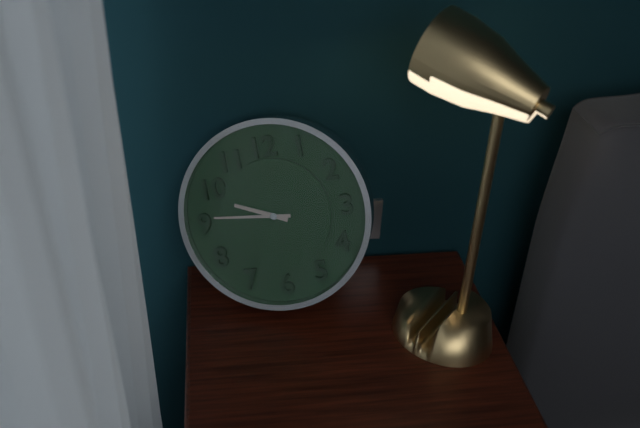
9:46
